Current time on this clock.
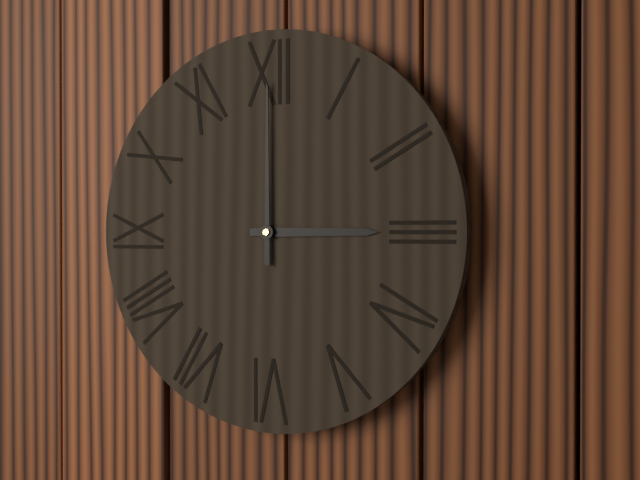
3:00
